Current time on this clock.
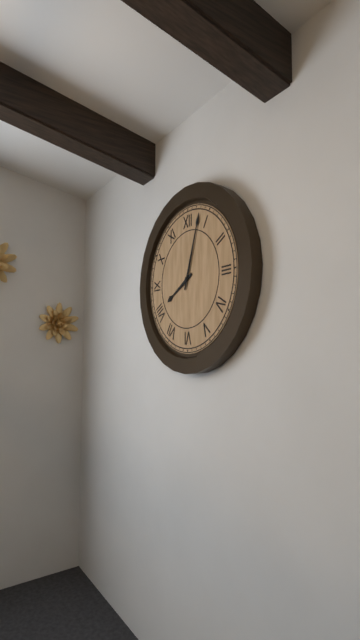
8:03
